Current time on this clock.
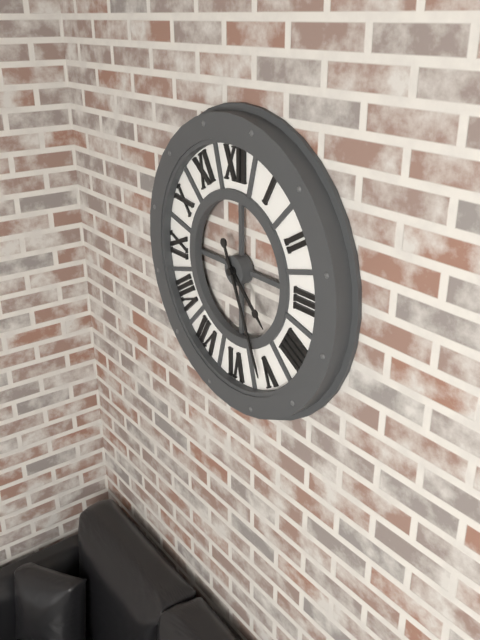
4:26
